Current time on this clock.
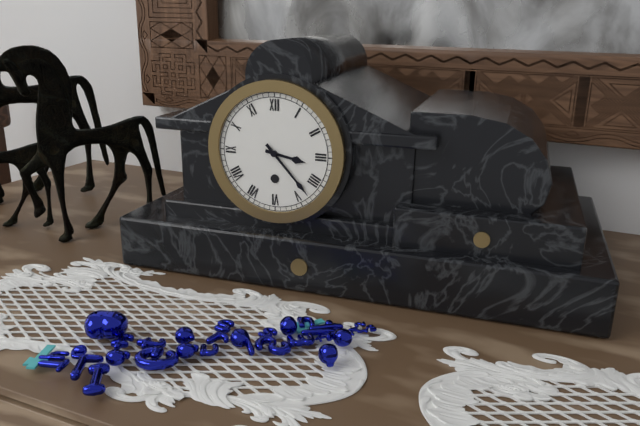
3:23
